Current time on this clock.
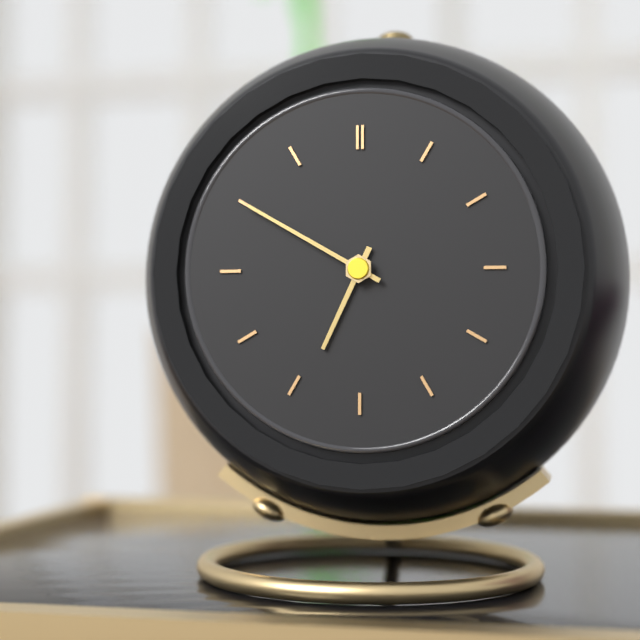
6:50
